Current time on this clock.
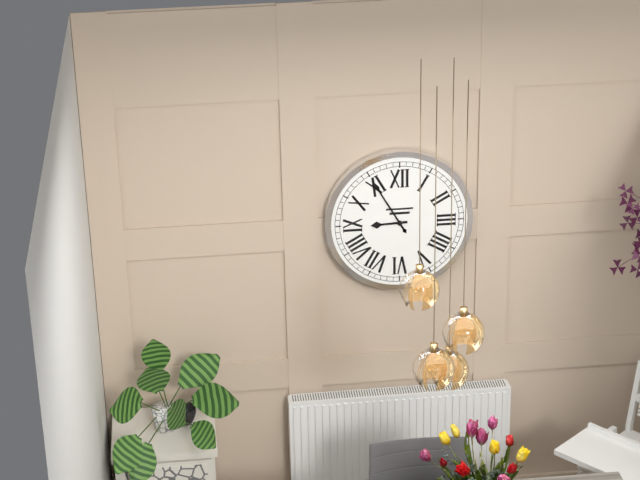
8:55
